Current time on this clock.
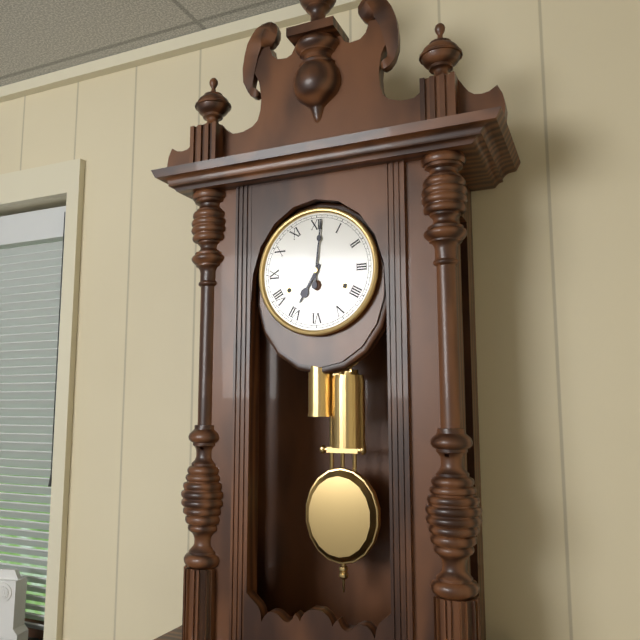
7:01
